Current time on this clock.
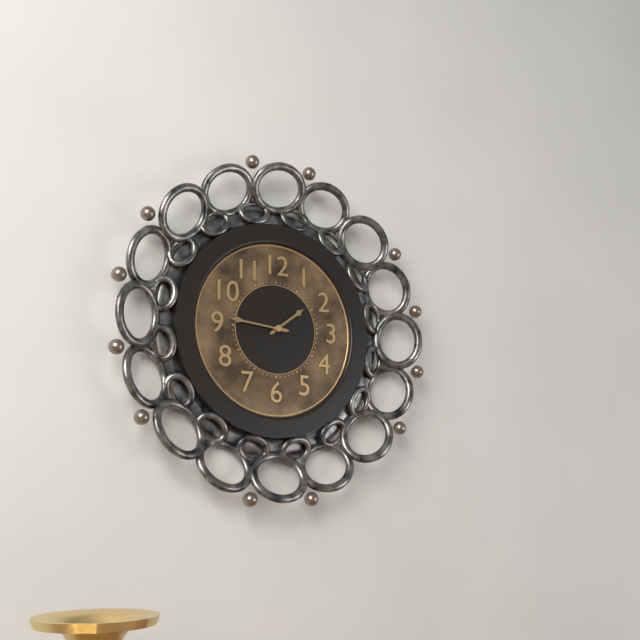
1:46
